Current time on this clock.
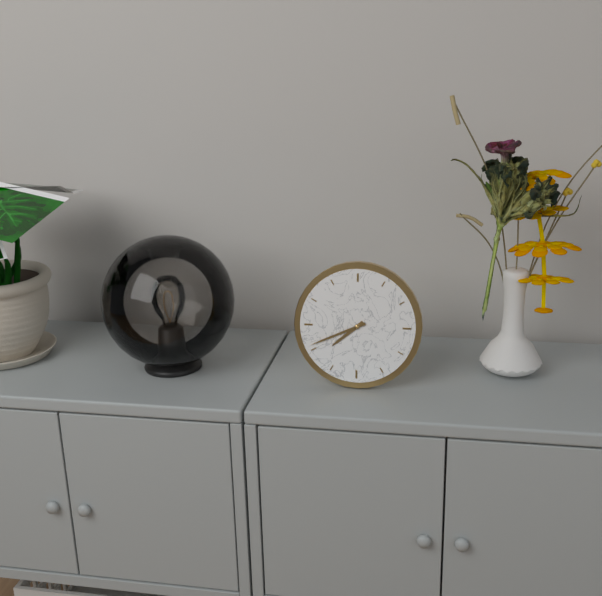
7:41
